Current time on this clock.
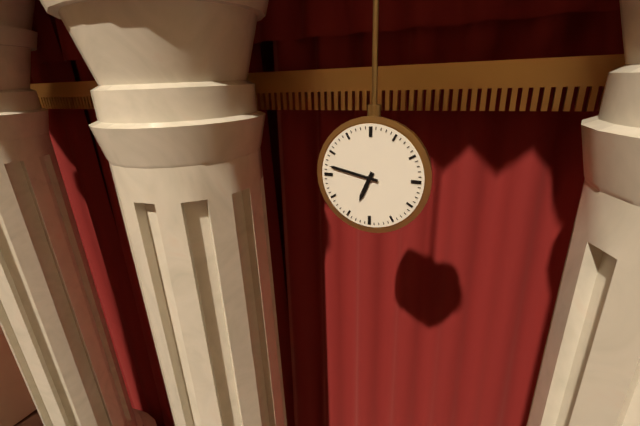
6:47
